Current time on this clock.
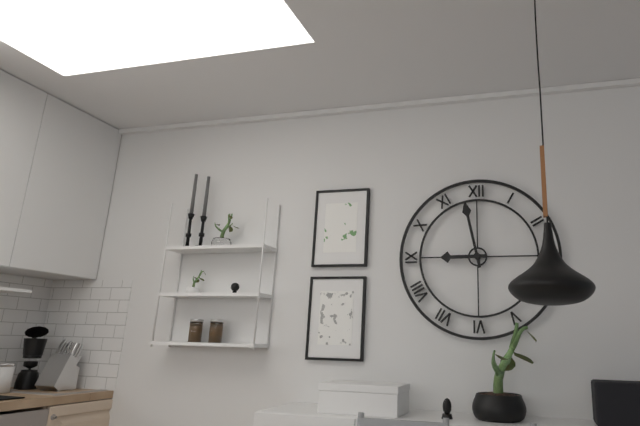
8:58
